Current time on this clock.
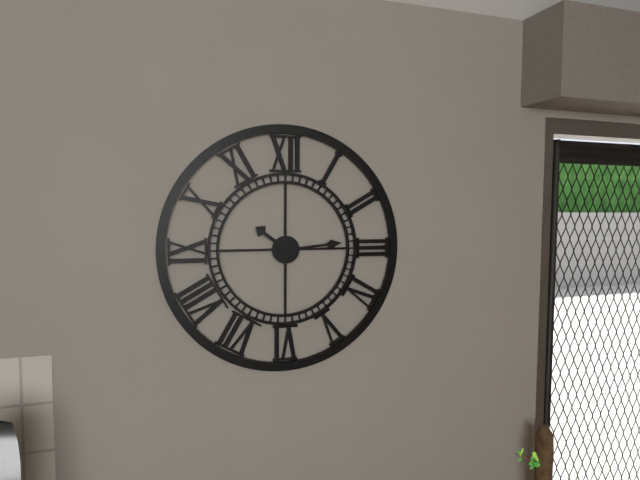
10:14
